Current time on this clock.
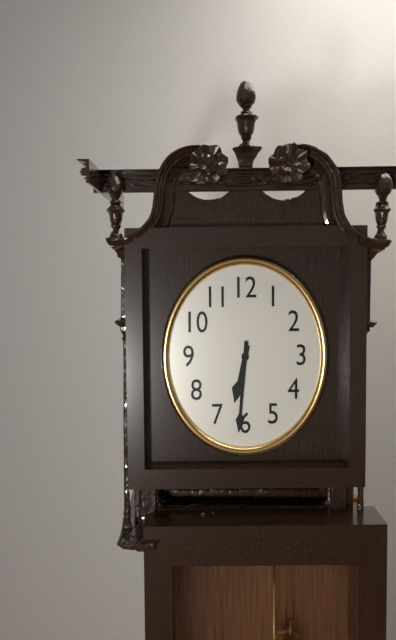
6:31
